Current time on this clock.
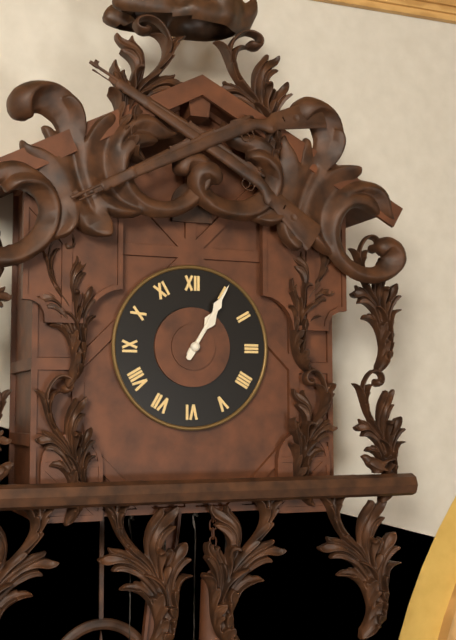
1:05
